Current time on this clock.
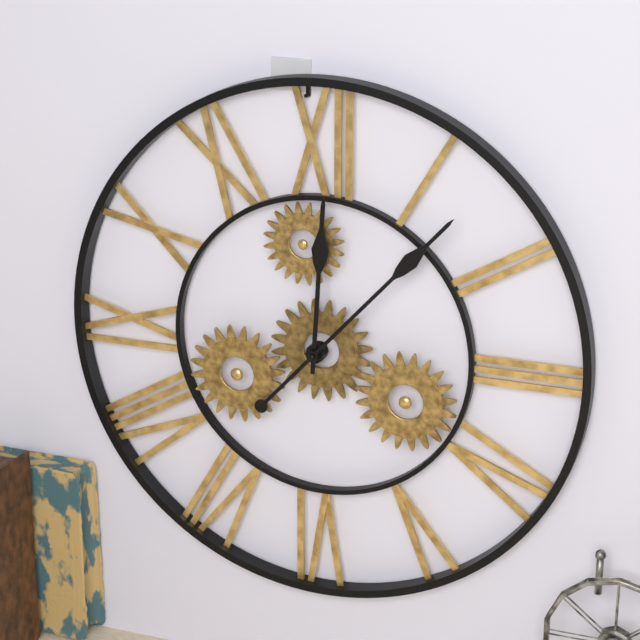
12:07
